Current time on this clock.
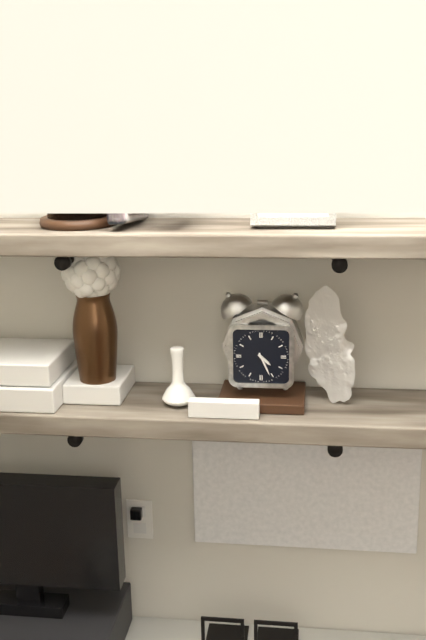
4:26
